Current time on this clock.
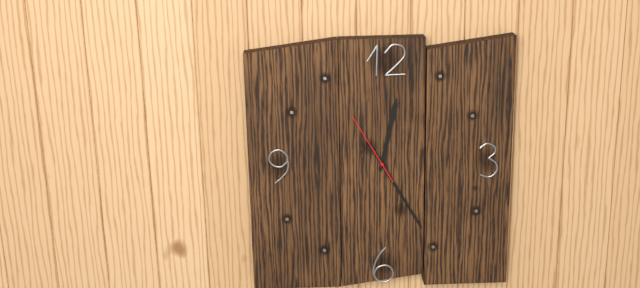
12:25:55
